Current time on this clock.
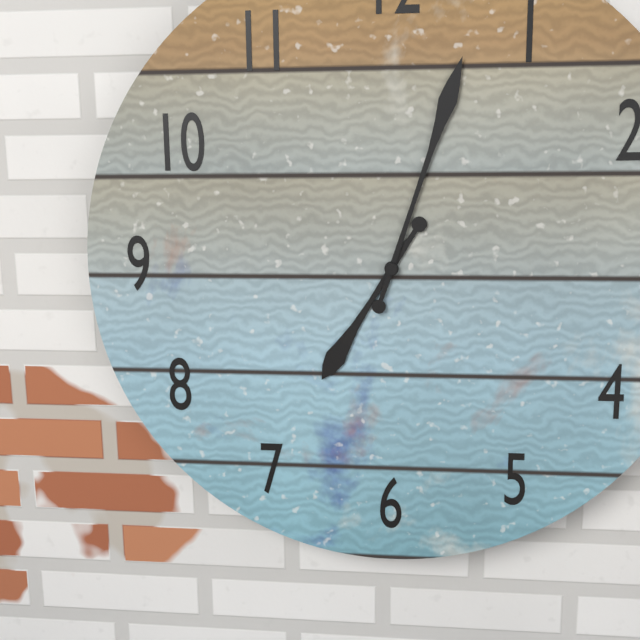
7:03
